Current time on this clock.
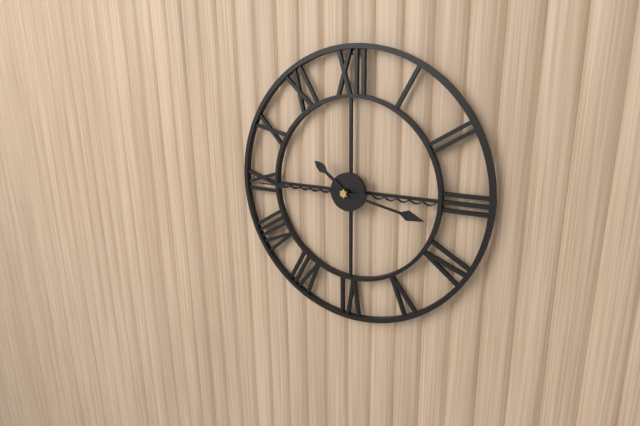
10:17:45
